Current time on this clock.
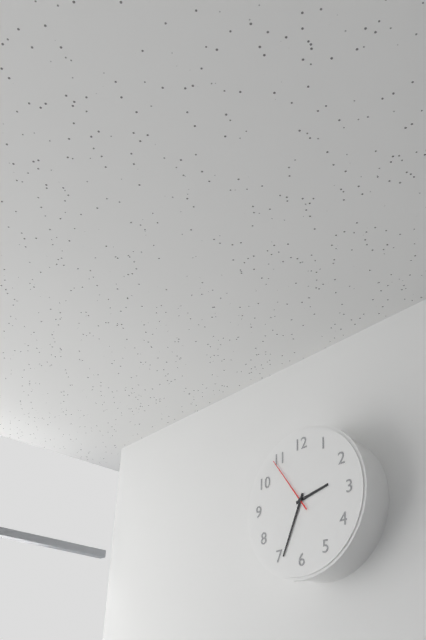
2:34:54
